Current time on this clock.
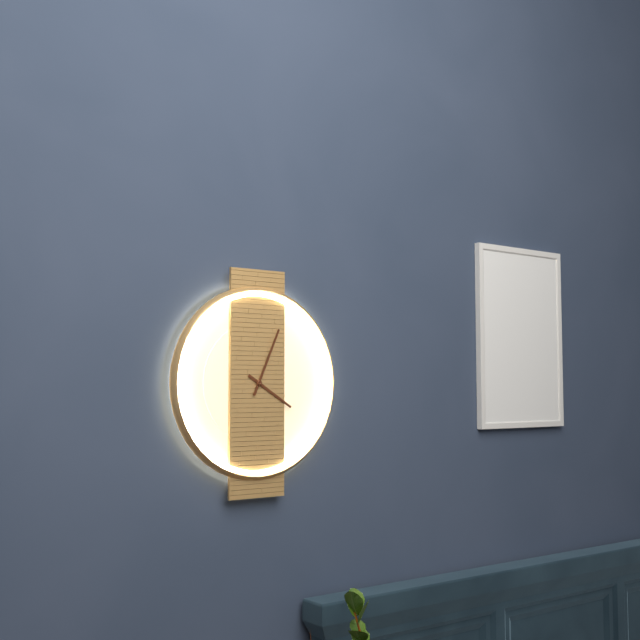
4:04
